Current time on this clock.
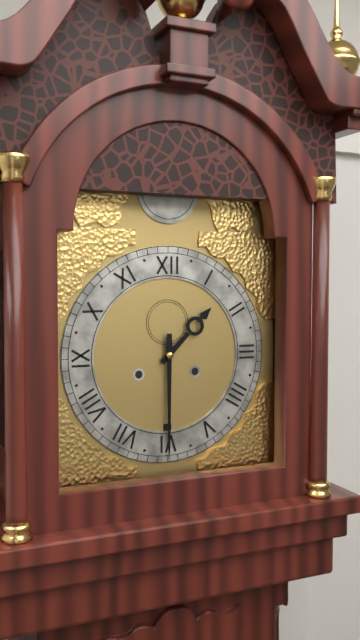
1:30
